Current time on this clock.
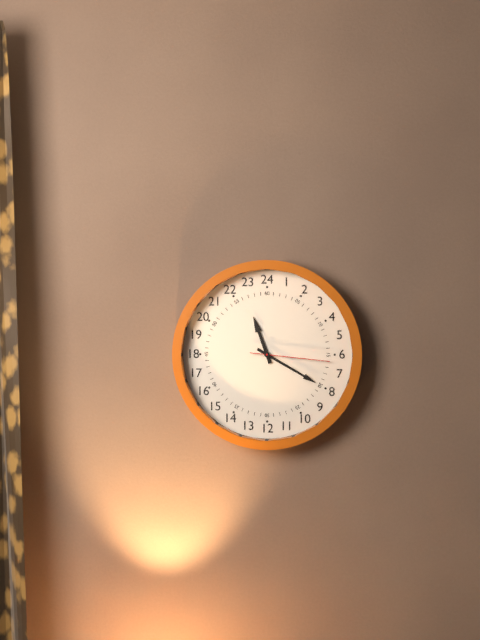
11:20:16
